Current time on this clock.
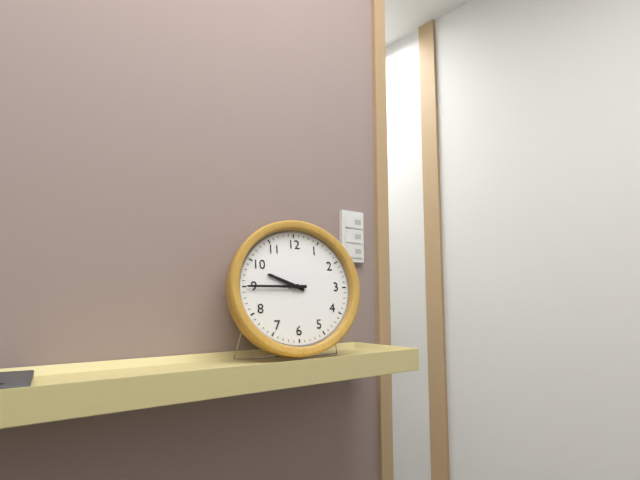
9:45
